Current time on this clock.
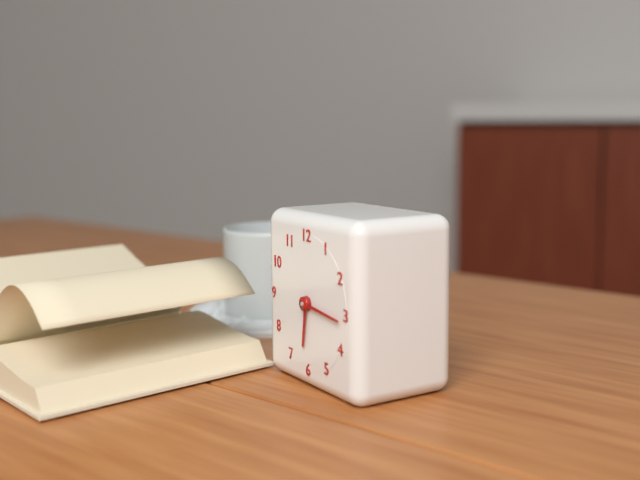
6:16
